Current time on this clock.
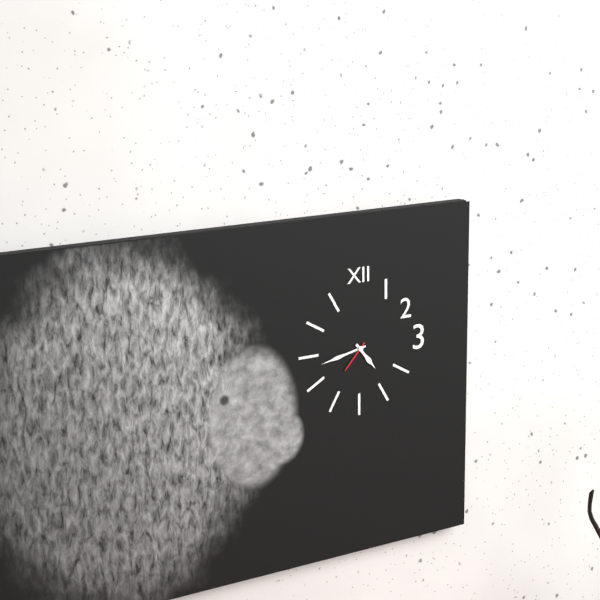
4:43
